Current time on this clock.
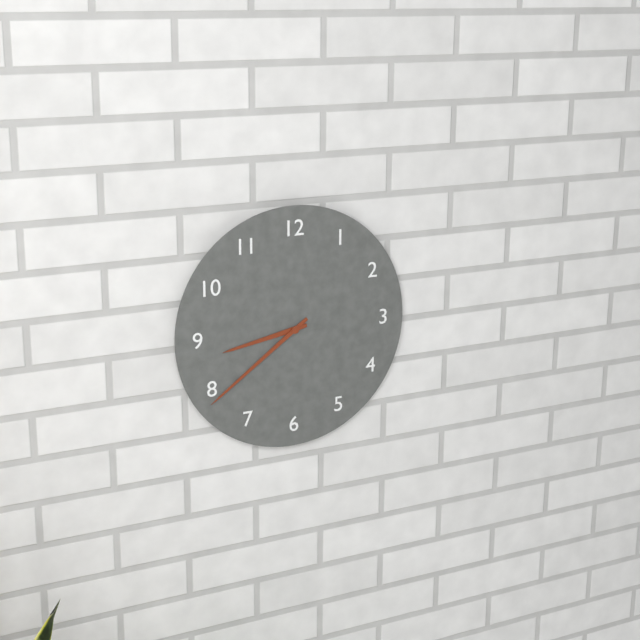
8:39
